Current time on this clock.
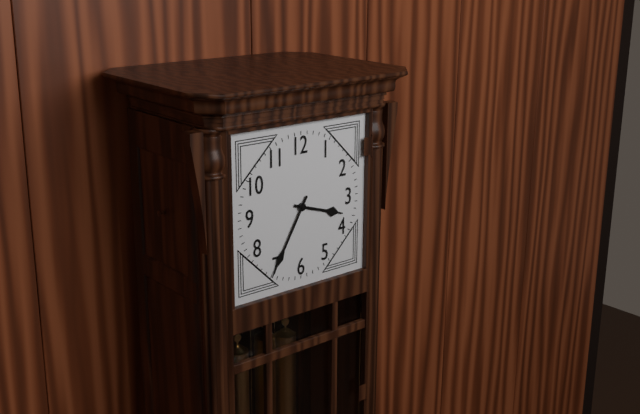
3:35
